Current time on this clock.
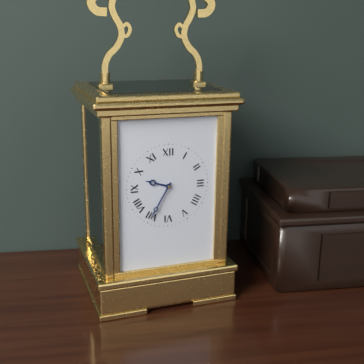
9:35
